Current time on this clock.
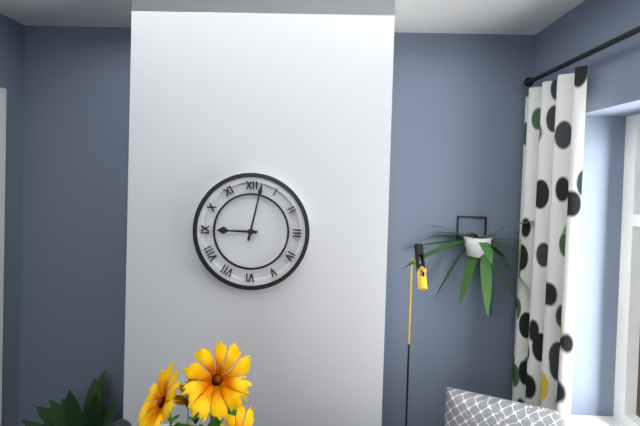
9:02
